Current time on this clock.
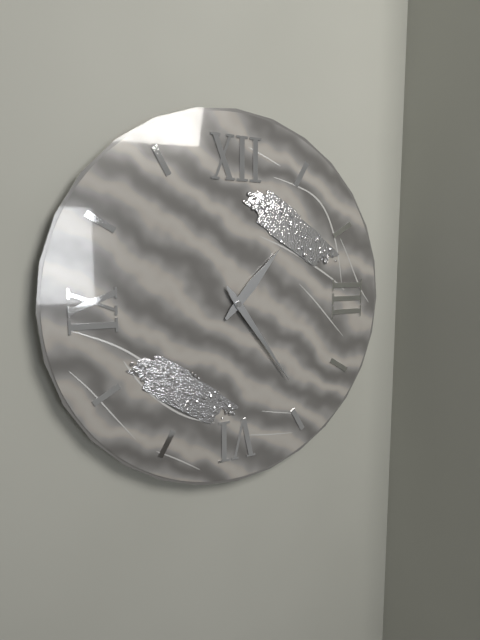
1:24
